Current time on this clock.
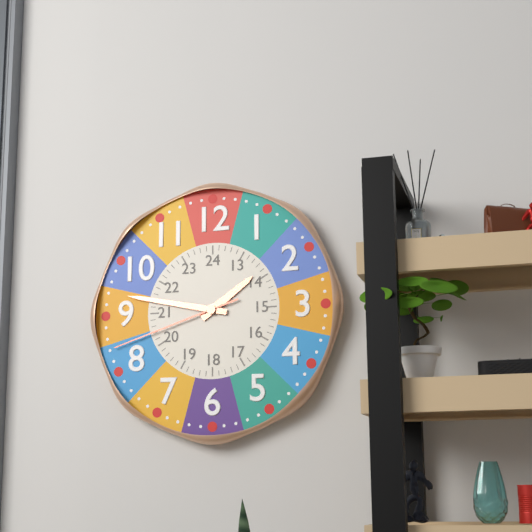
1:47:42
